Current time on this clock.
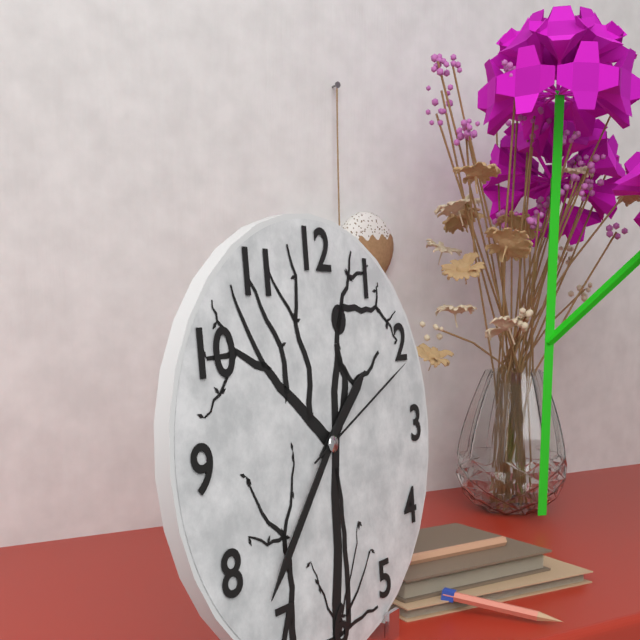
1:37:11
